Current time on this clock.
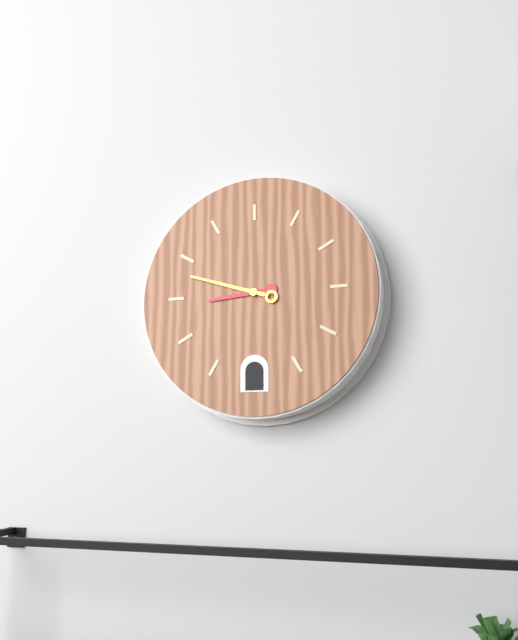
8:48
